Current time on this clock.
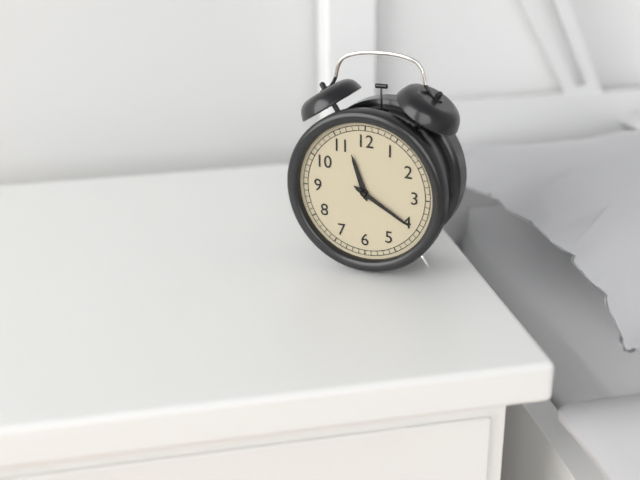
11:20
